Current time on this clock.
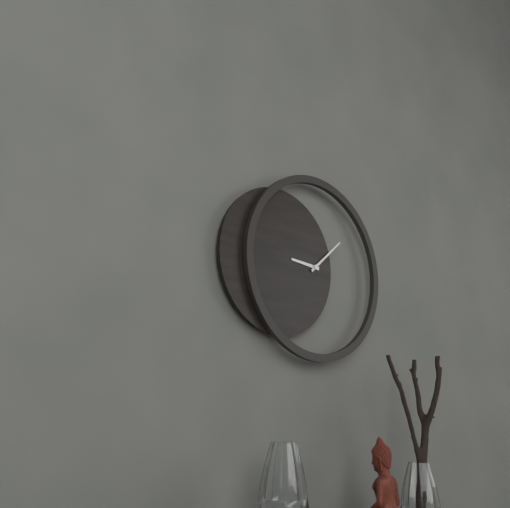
9:08
